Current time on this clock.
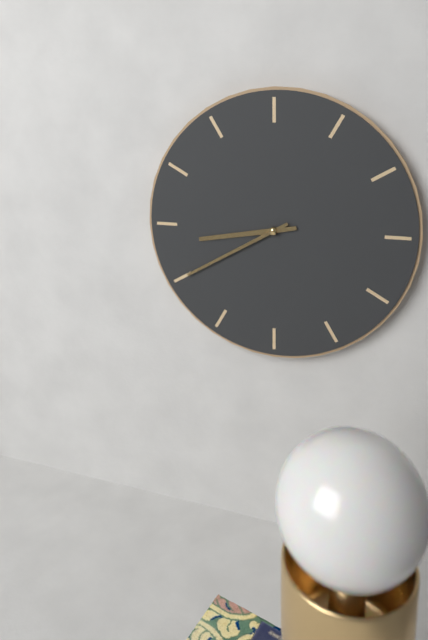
8:40
